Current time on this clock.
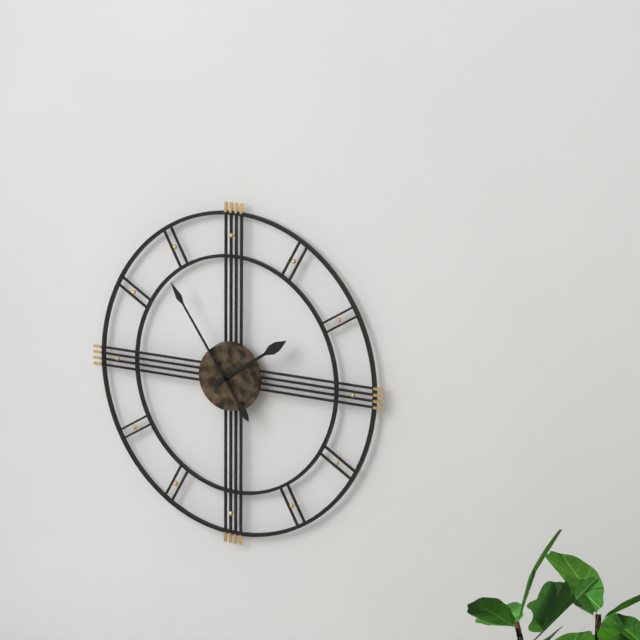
1:54
